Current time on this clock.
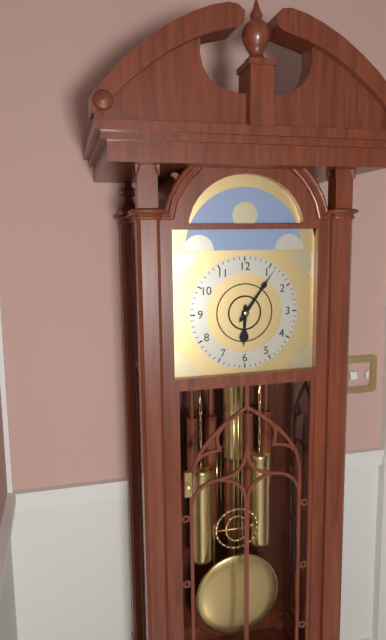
6:06
